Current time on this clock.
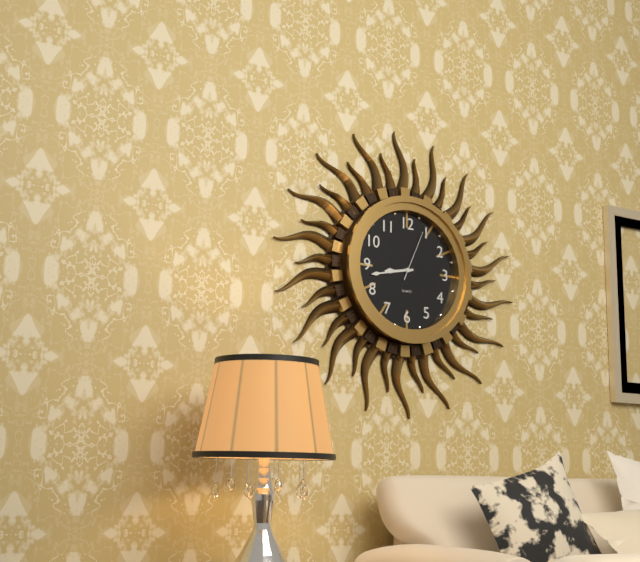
8:43:04
